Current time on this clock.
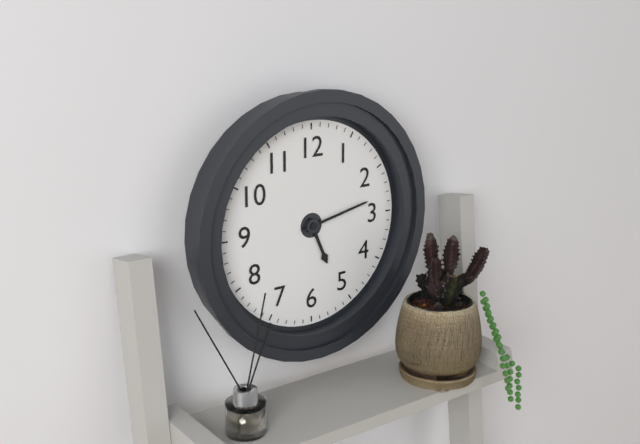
5:13
